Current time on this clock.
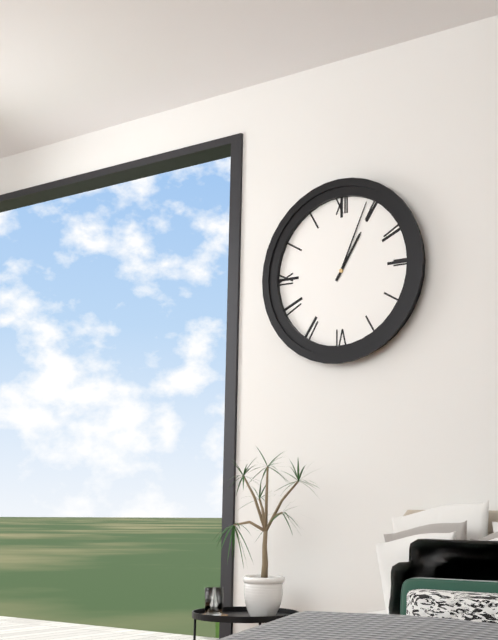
1:04
